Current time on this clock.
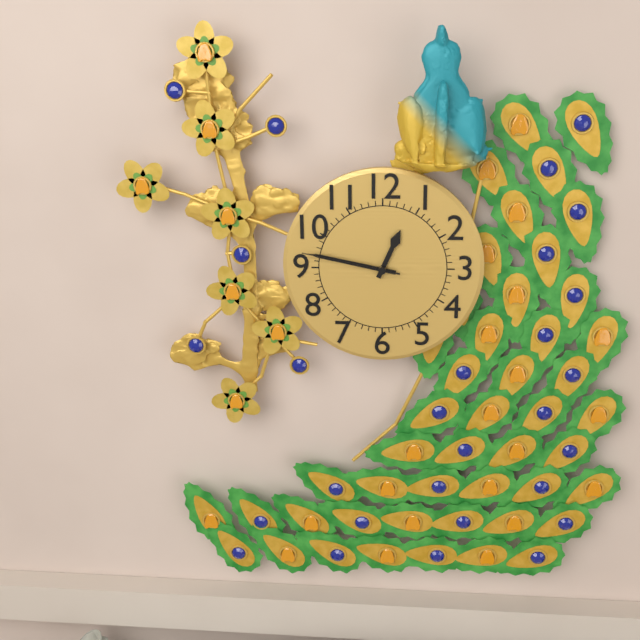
12:47:47
